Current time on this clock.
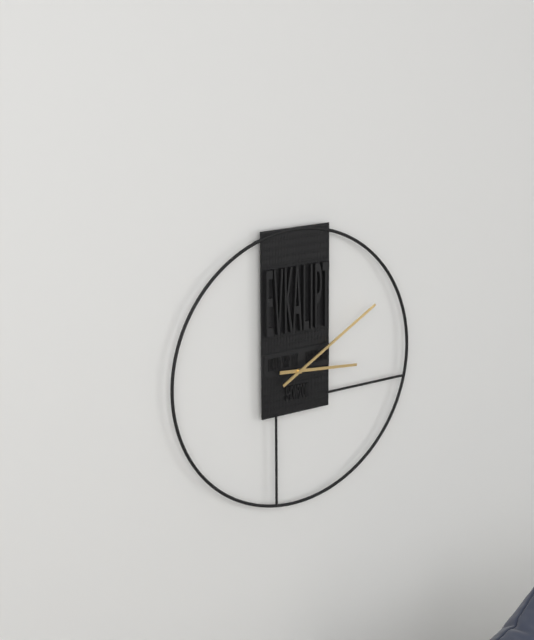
3:10
